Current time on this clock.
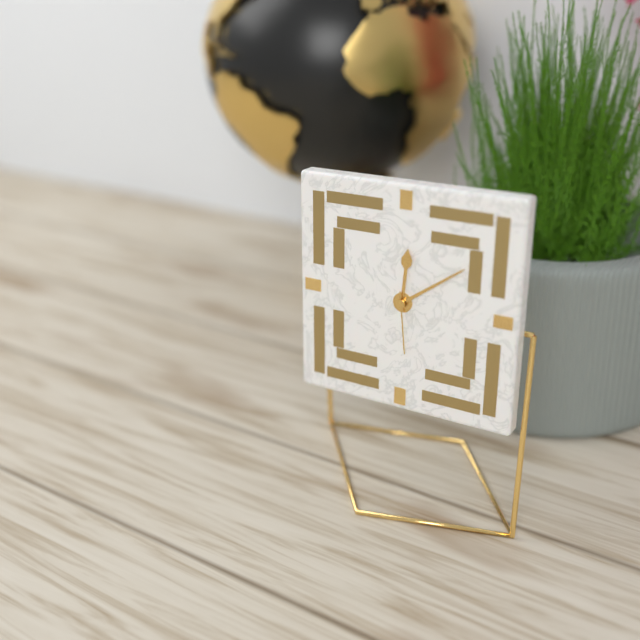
12:09:29
